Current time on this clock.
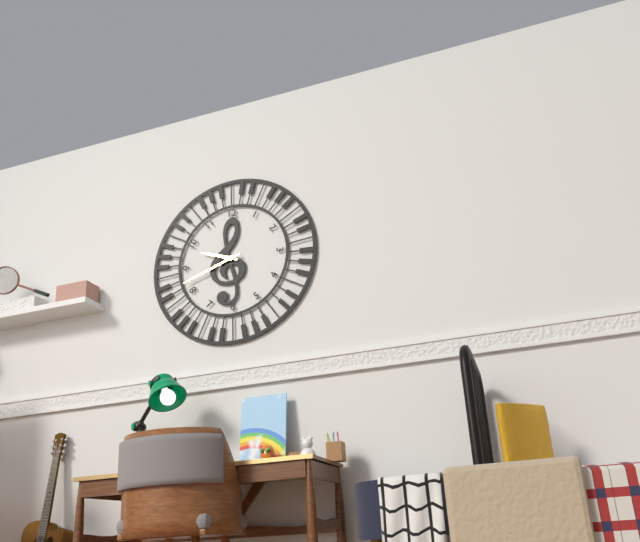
9:42
